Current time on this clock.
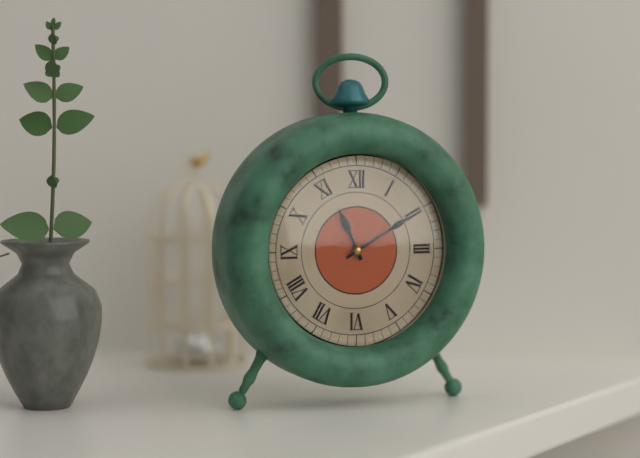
11:10
